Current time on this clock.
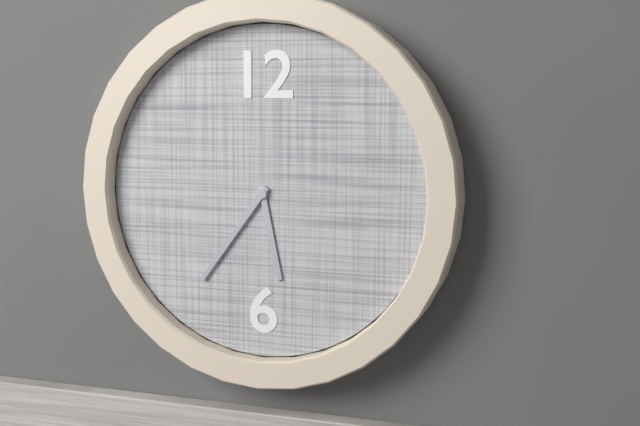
5:36
